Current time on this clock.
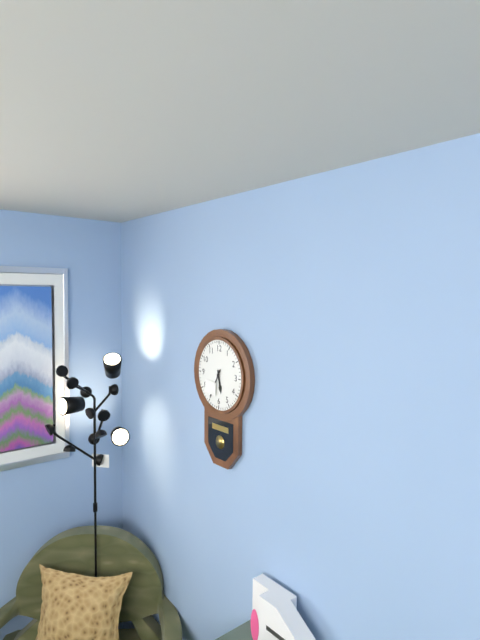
5:35
